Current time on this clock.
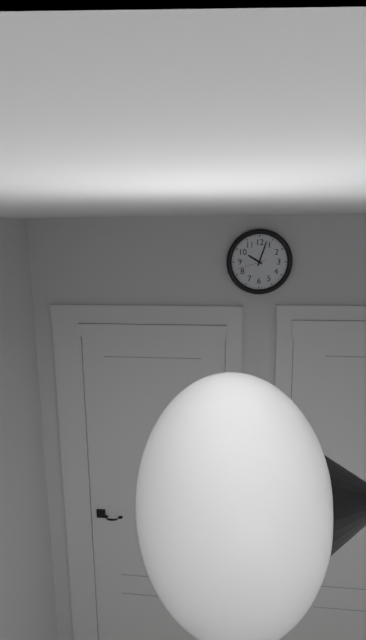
10:03
